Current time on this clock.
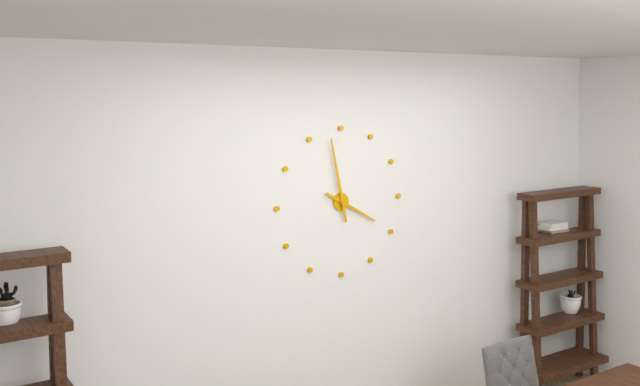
3:58
